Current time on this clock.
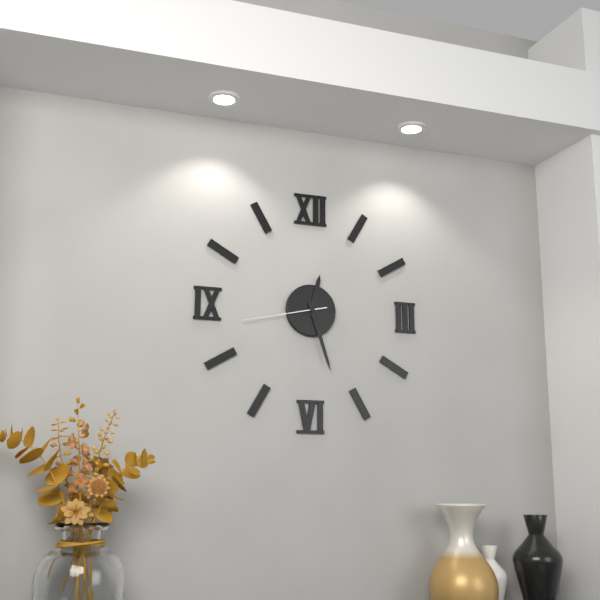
12:27:43
